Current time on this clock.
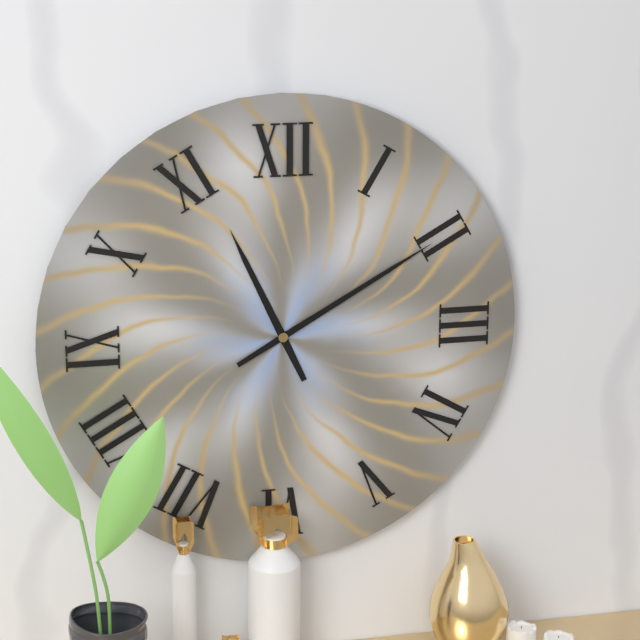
11:10
